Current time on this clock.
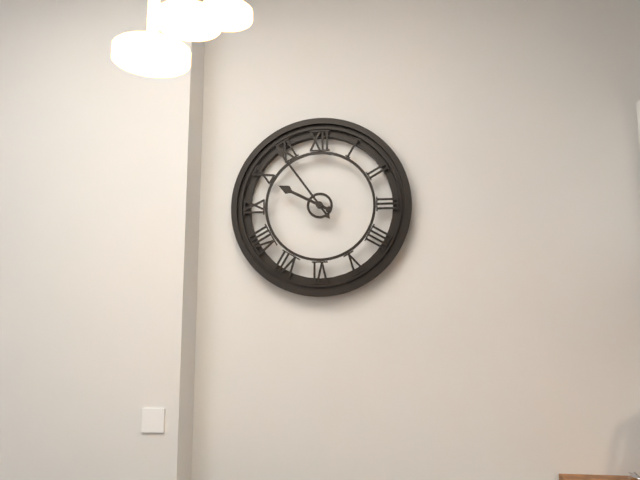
9:54
